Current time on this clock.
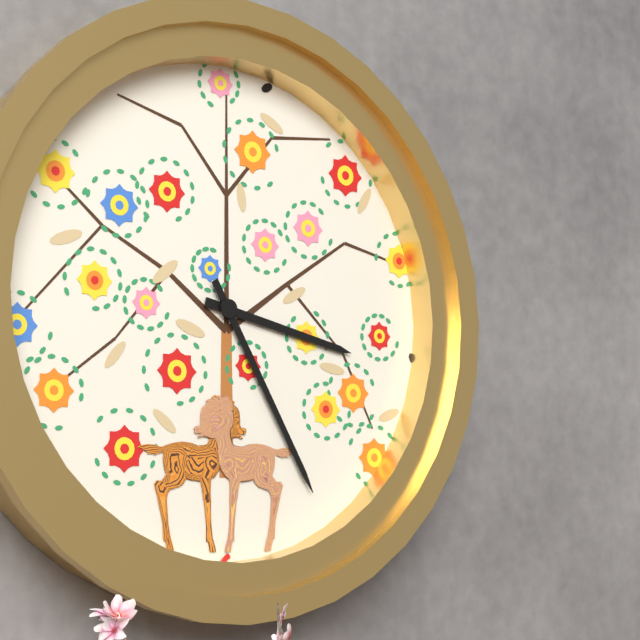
3:25
